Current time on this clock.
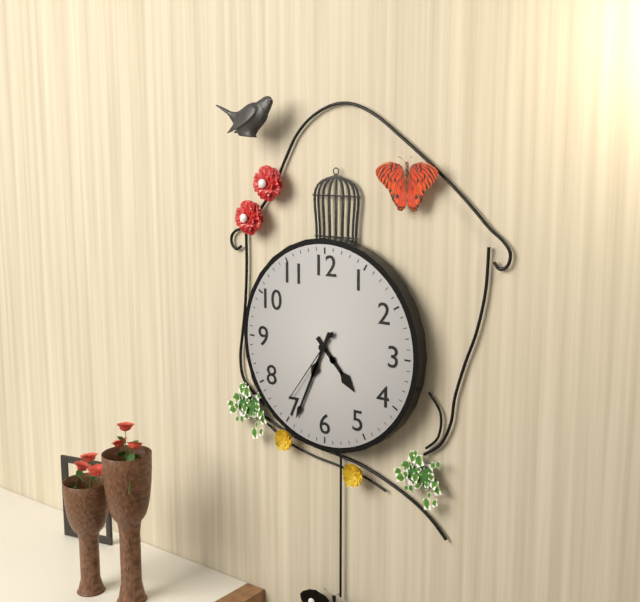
4:34:36
